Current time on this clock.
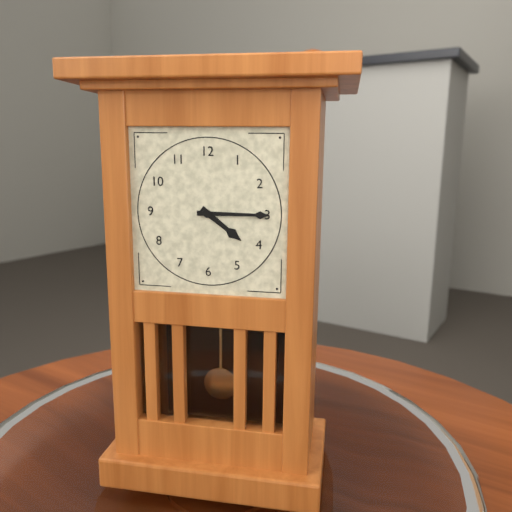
4:15
